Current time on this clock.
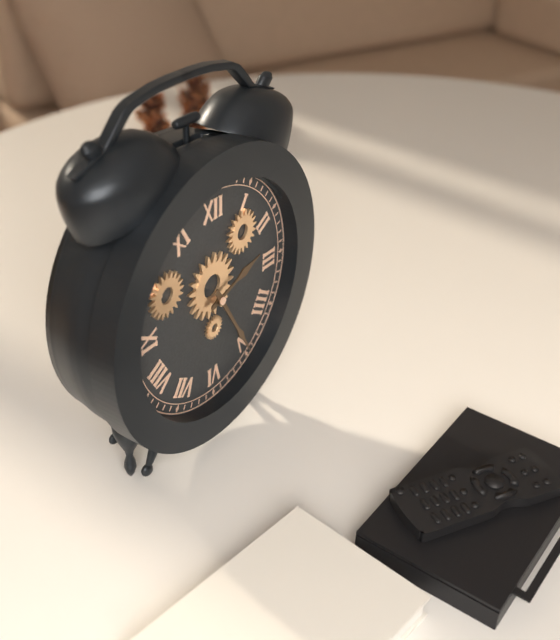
2:25
